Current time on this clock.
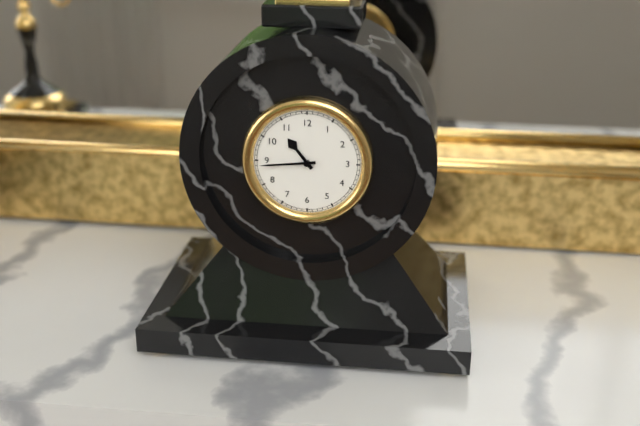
10:44
